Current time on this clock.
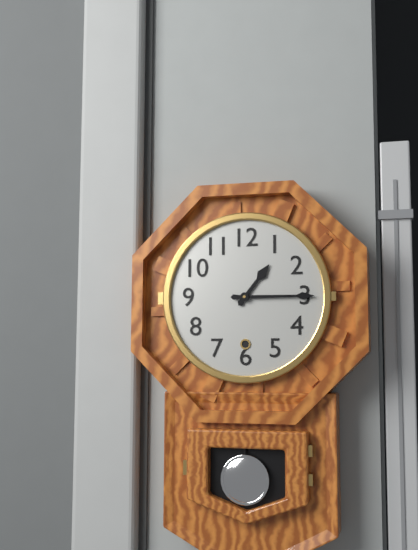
1:15
